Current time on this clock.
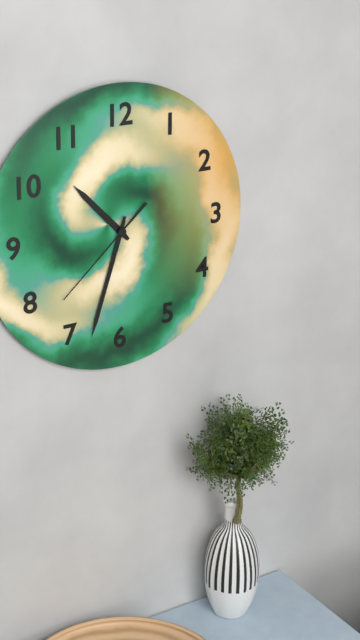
10:33:38
